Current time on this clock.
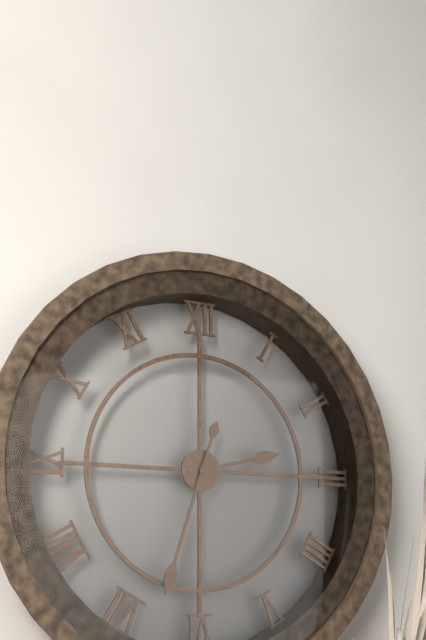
2:33
